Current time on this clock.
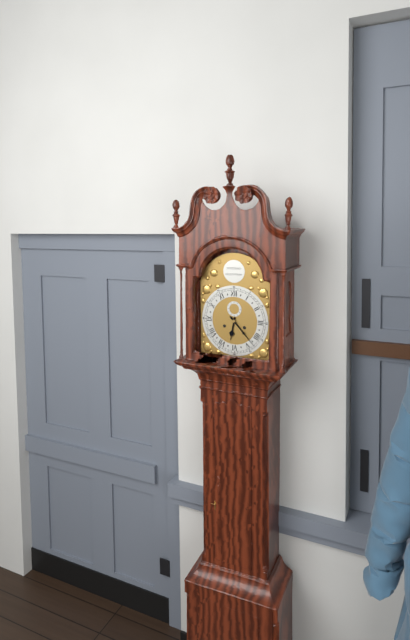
6:23
